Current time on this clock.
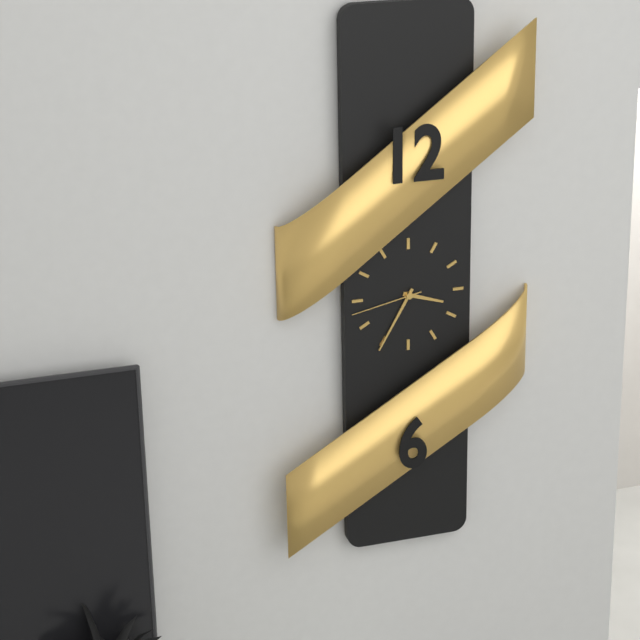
3:35:43
